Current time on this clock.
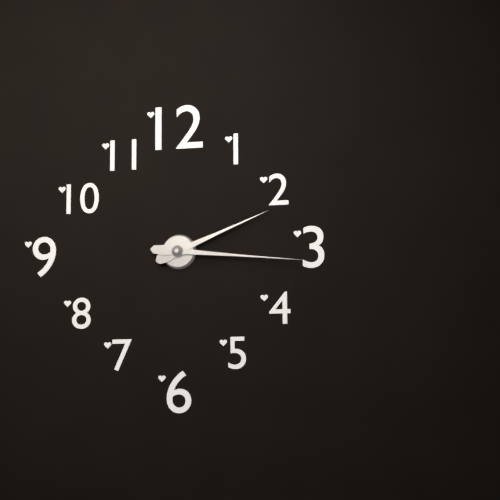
2:16
